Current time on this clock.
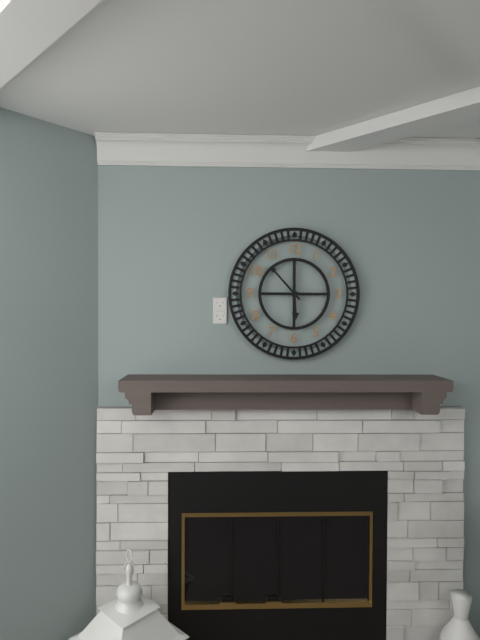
5:53
